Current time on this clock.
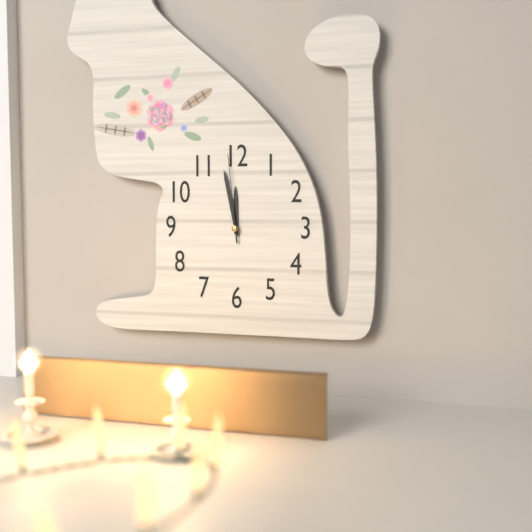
11:58:59
